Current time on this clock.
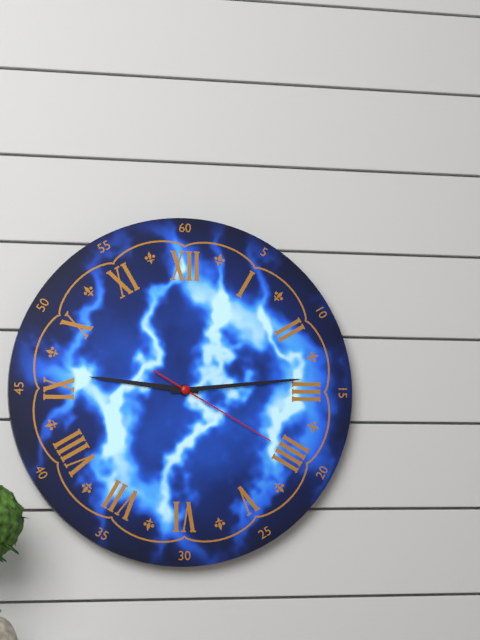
9:14:20
